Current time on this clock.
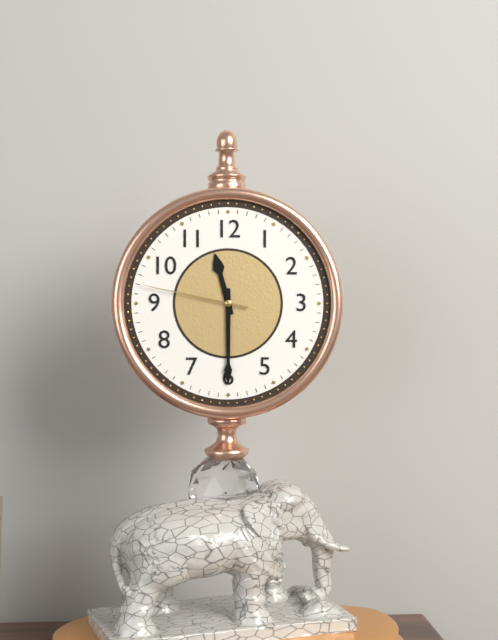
11:30:47
